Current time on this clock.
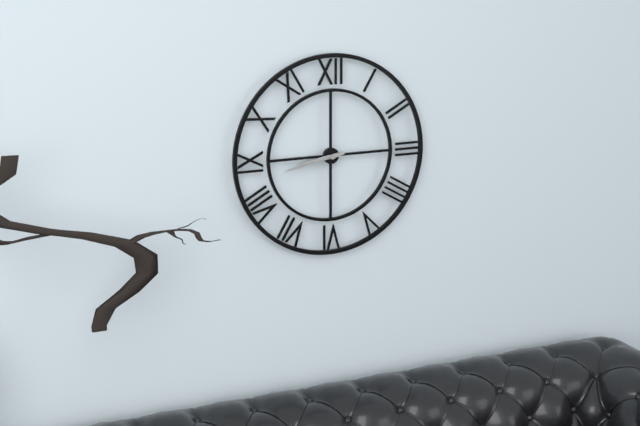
8:43
